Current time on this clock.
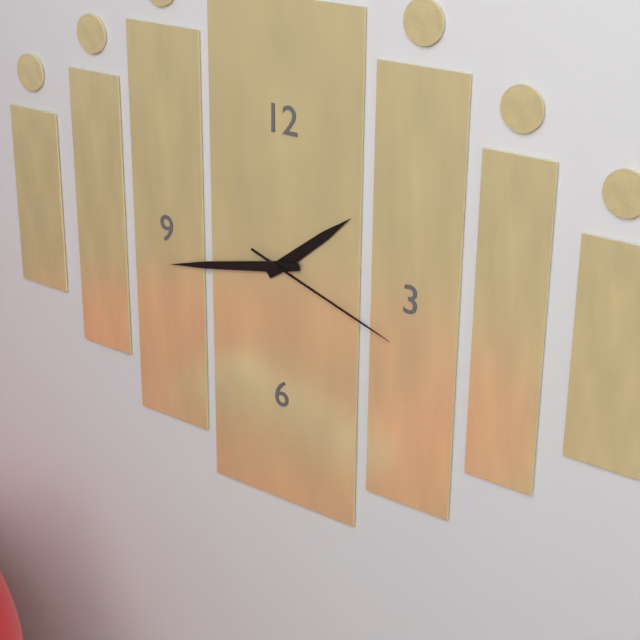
1:43:18
